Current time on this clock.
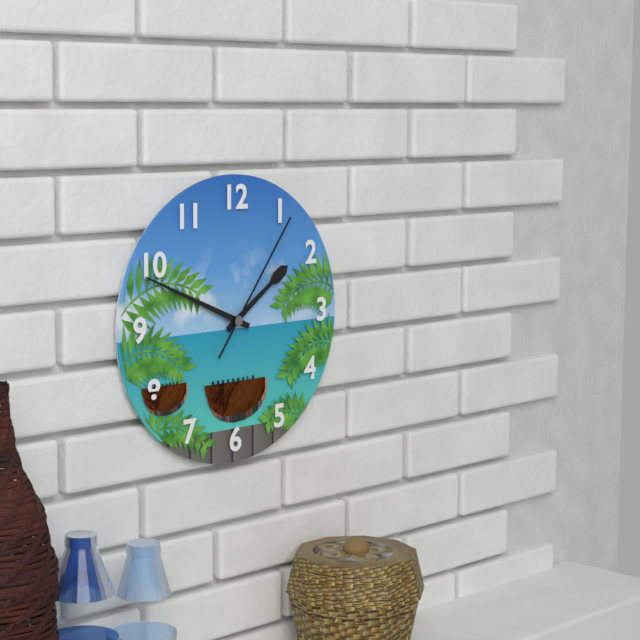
1:49:06
